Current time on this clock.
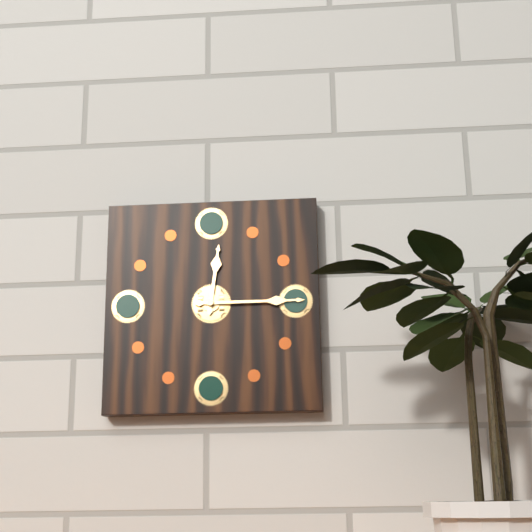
12:15
